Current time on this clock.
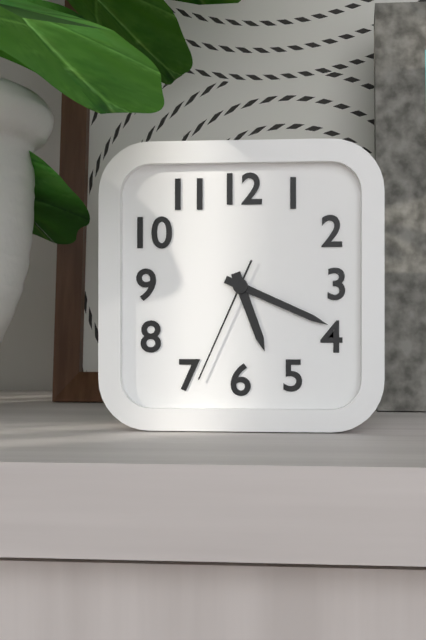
5:19:34
